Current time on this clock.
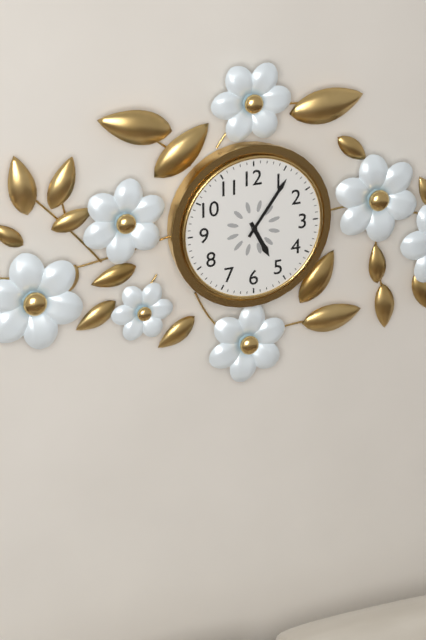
5:06
